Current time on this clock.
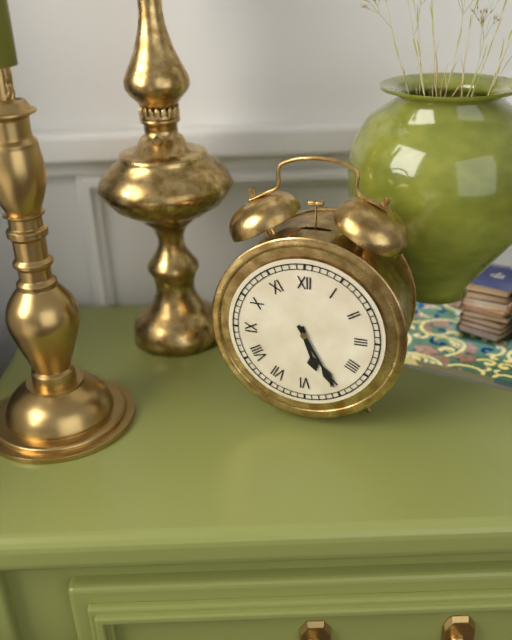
5:25
